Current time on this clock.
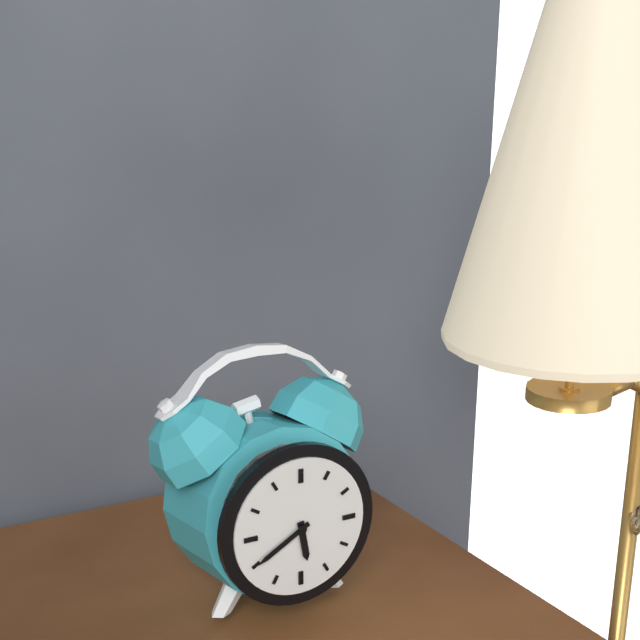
5:40
